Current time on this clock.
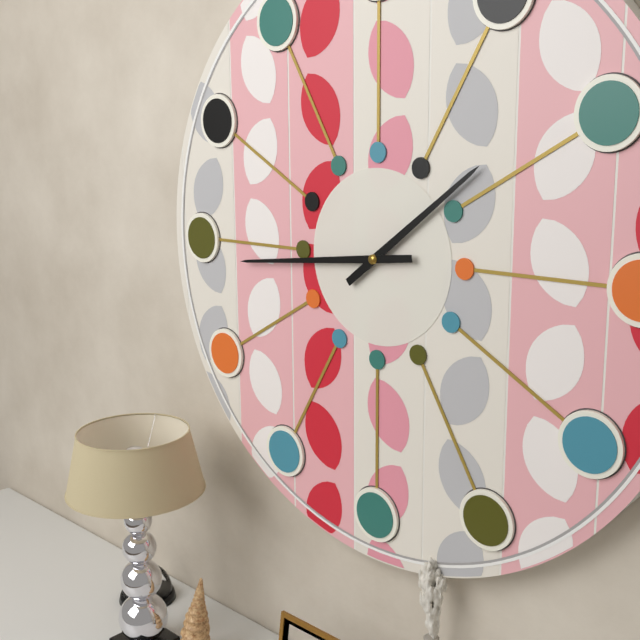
1:44
